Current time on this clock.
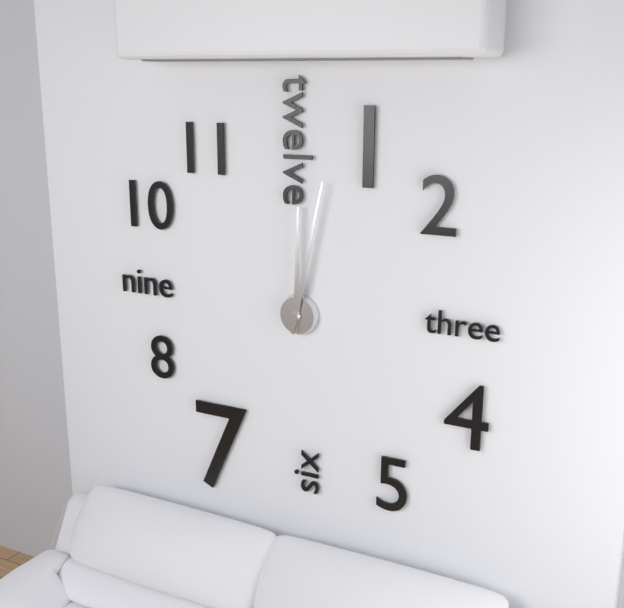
12:02
